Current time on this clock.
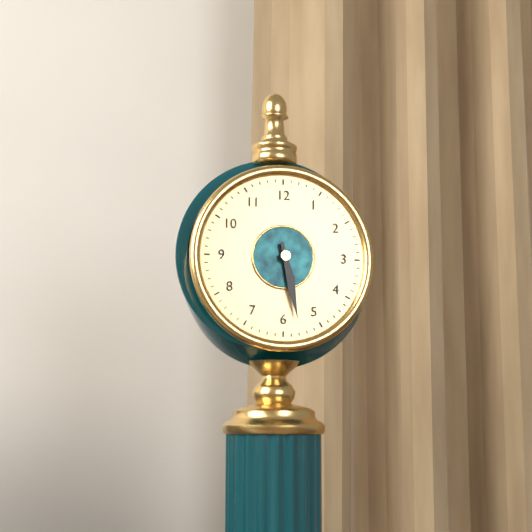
5:28
